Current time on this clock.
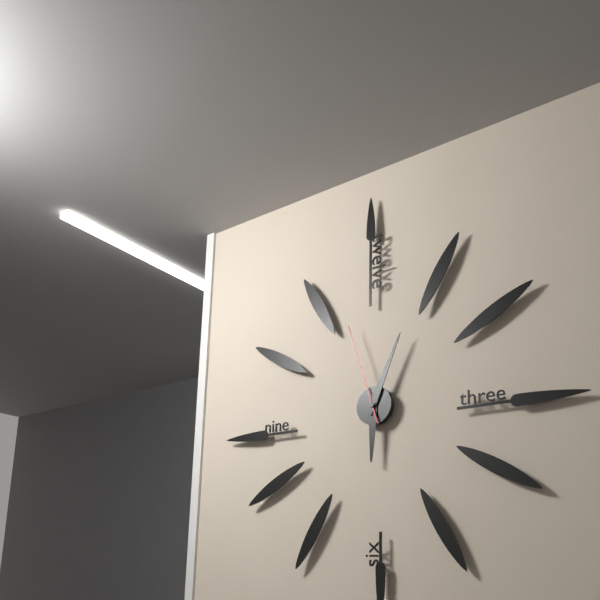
6:04:57
